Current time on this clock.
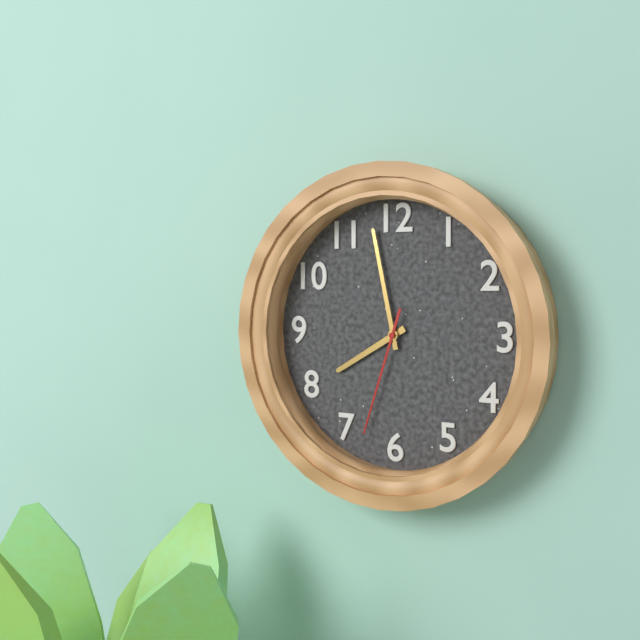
7:58:33
